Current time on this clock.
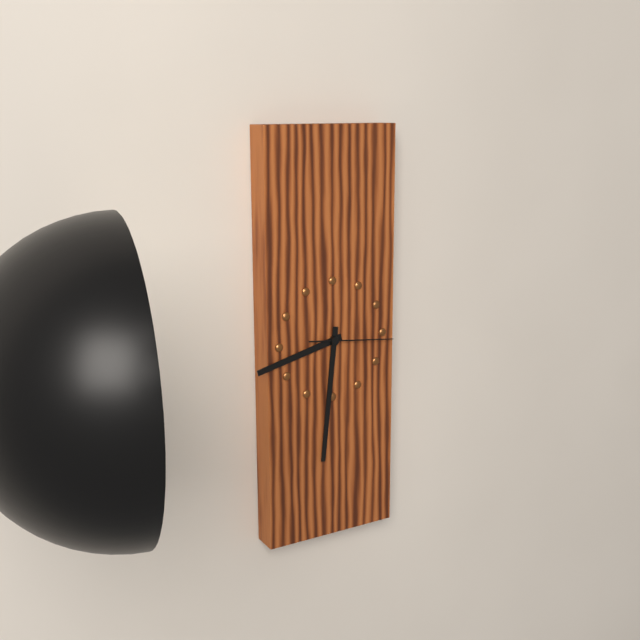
8:31:16
